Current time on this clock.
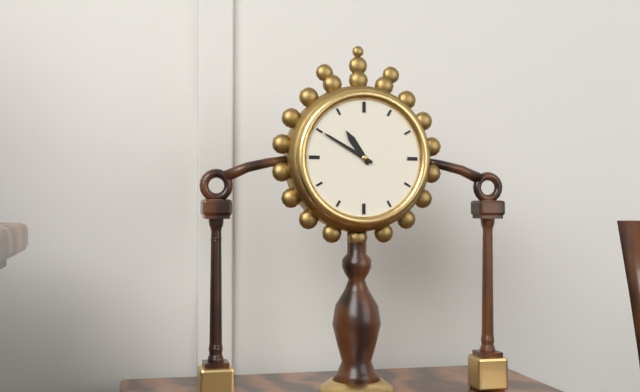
10:50
